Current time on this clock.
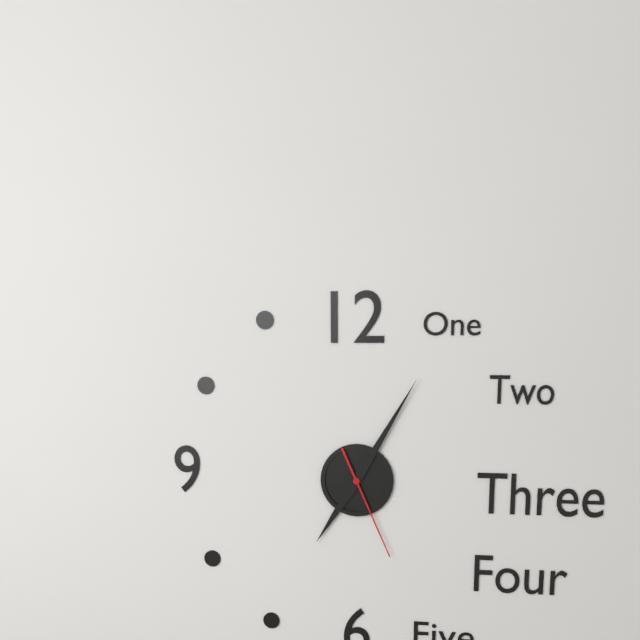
7:05:26
